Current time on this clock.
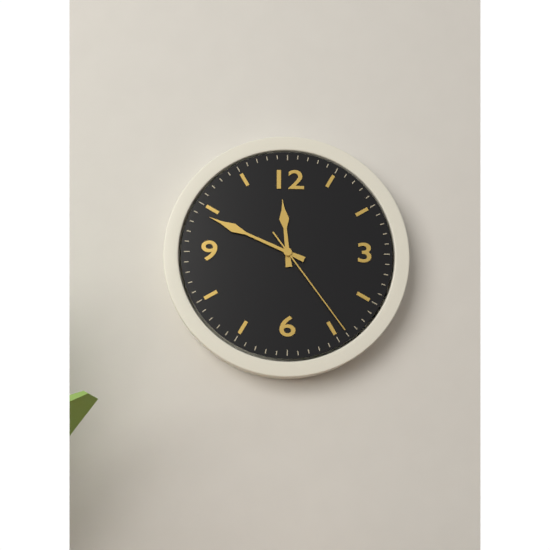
11:49:24
